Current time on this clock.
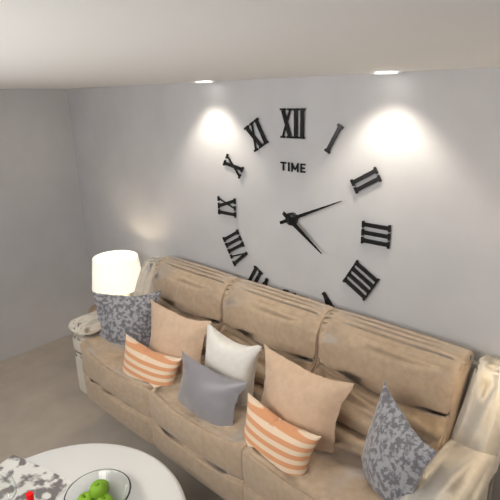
4:11
